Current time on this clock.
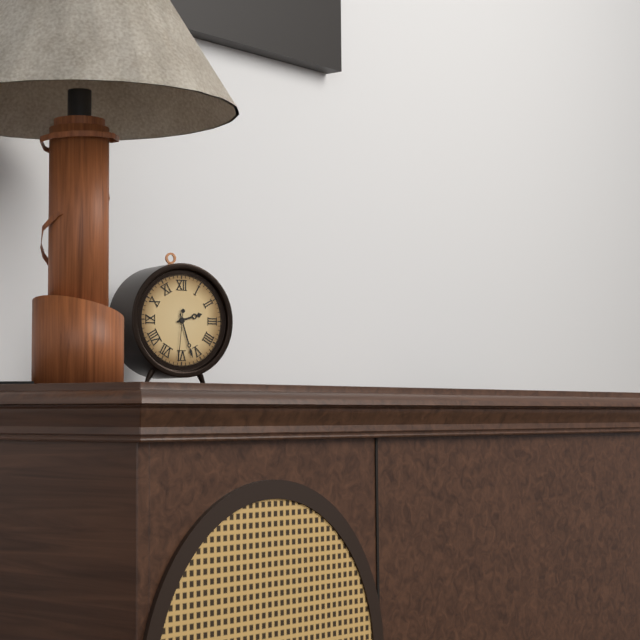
2:27:31
